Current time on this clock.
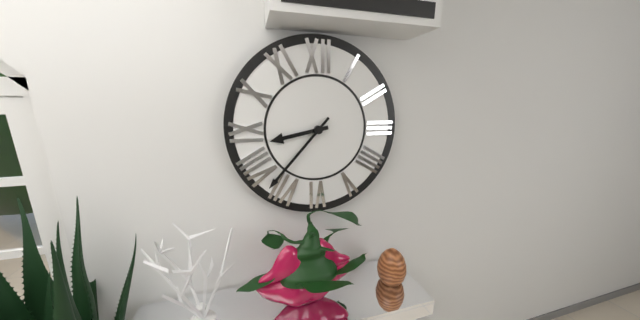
8:37
